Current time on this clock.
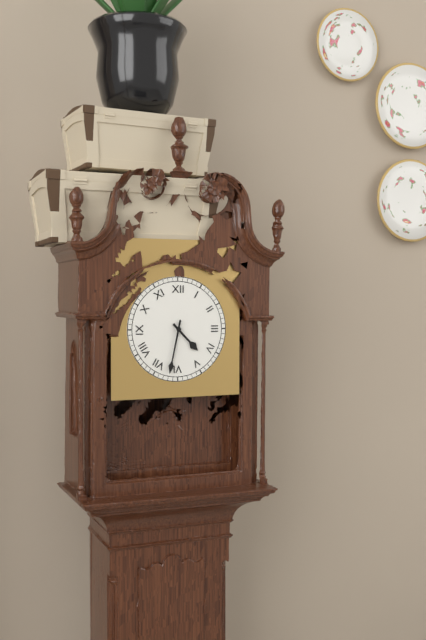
4:32
